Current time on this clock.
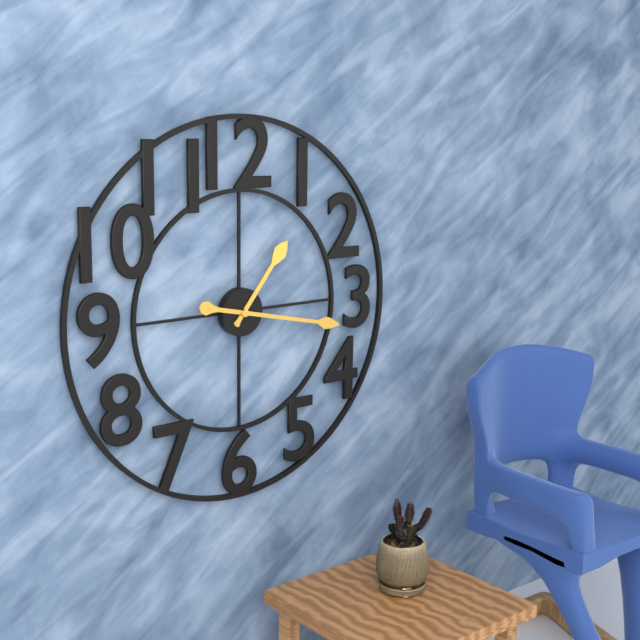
1:17
